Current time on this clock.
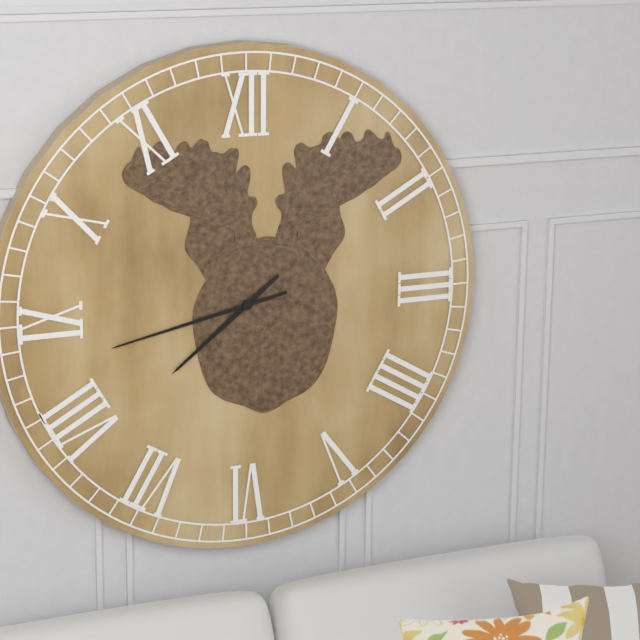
7:43
